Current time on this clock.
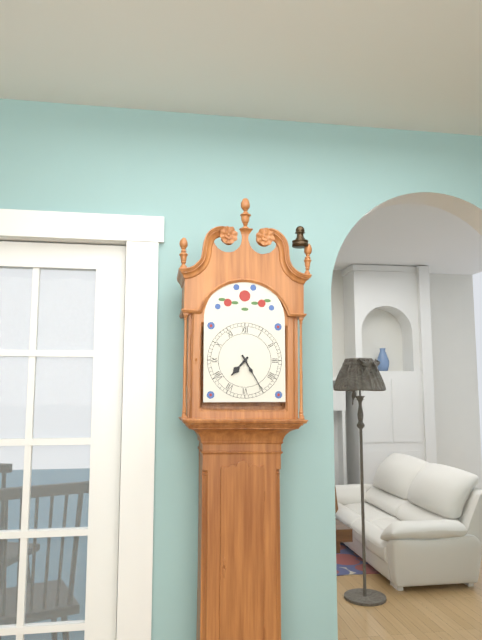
7:25
